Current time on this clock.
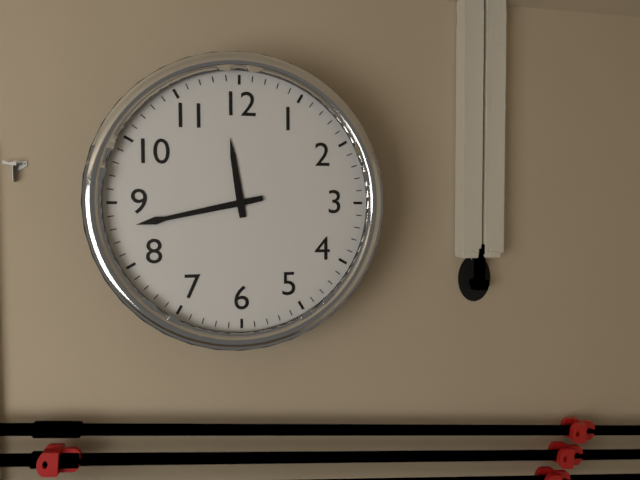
11:43
